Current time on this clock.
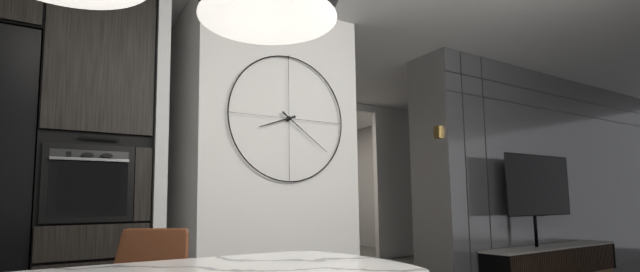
8:21
